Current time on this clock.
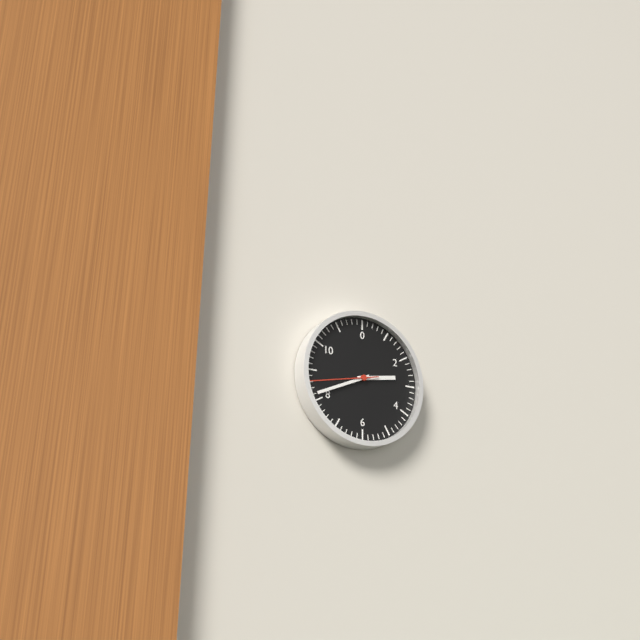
2:41:43
